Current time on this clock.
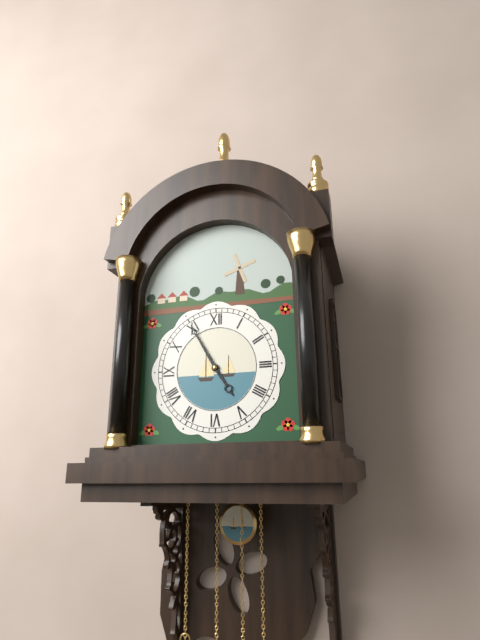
4:55
